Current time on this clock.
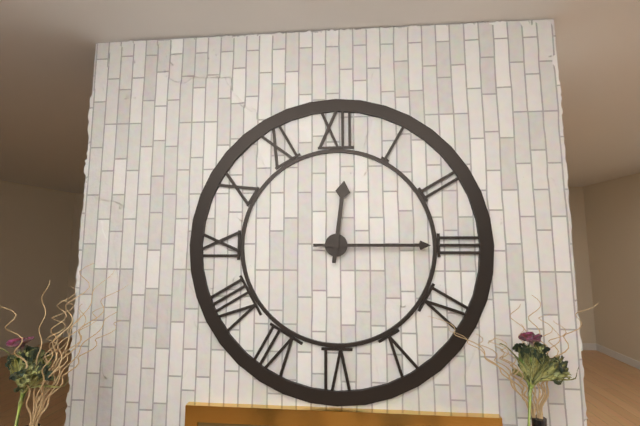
12:15
